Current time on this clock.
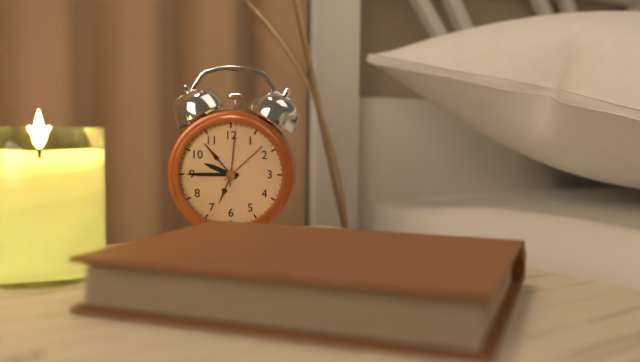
9:45:01
